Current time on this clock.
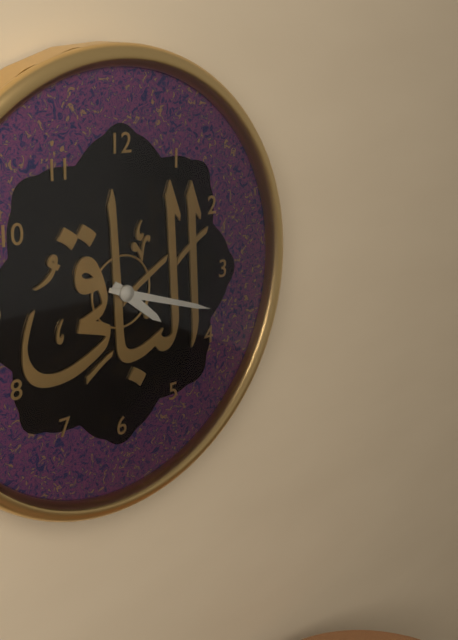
4:18
